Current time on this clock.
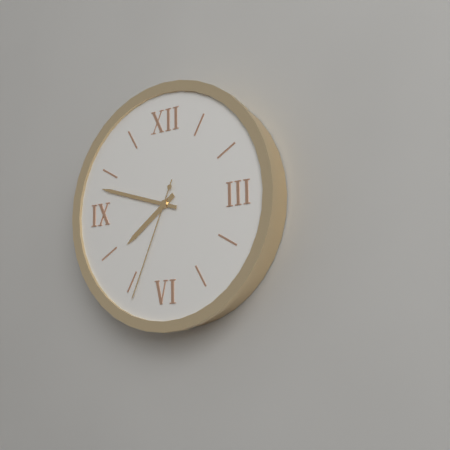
7:48:34
